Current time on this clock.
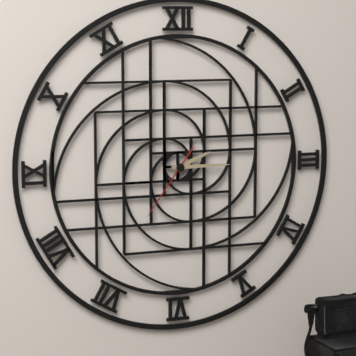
2:15:36
